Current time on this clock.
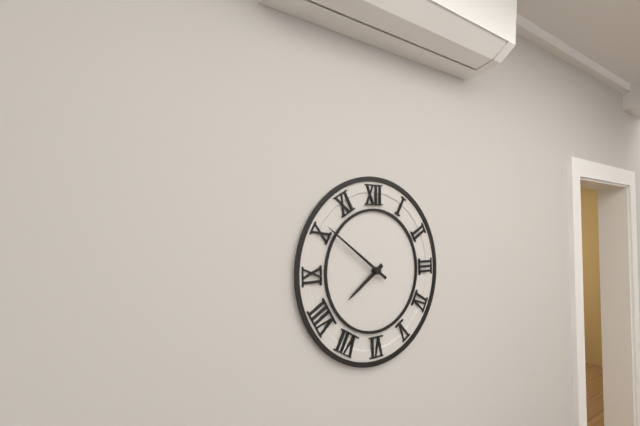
7:51
